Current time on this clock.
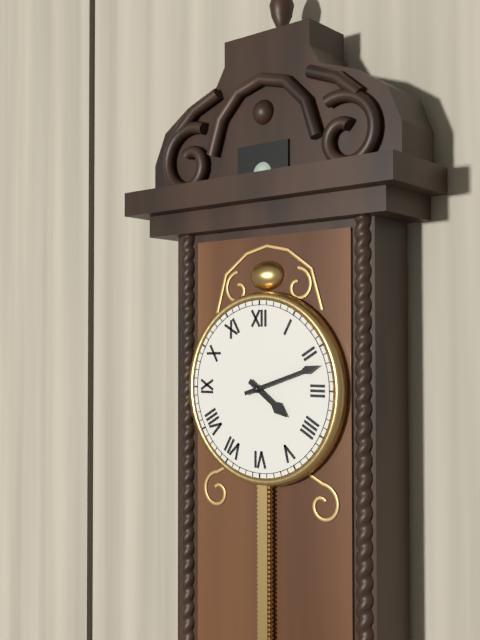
4:12
